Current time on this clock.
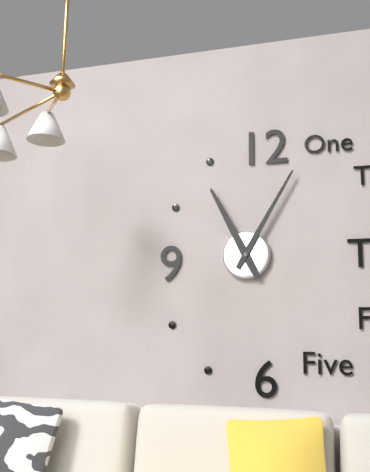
11:05
